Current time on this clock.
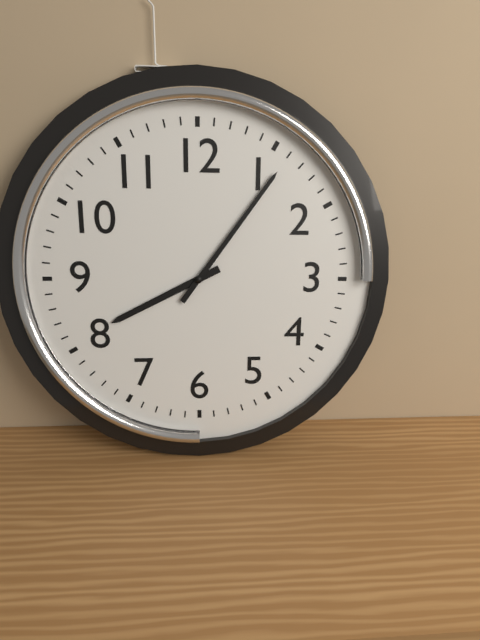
8:06
